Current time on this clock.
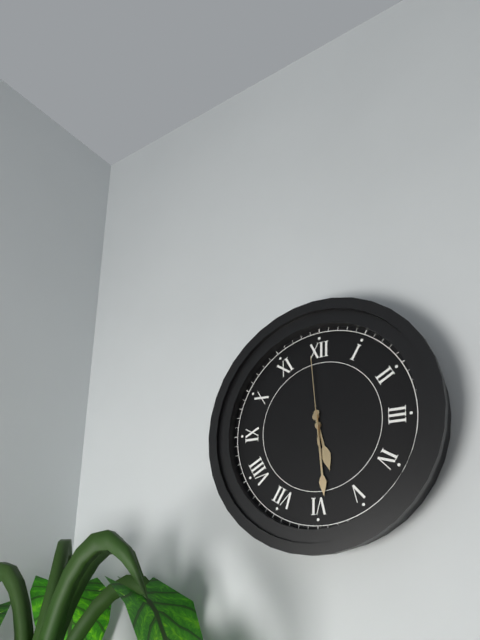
5:29:59
